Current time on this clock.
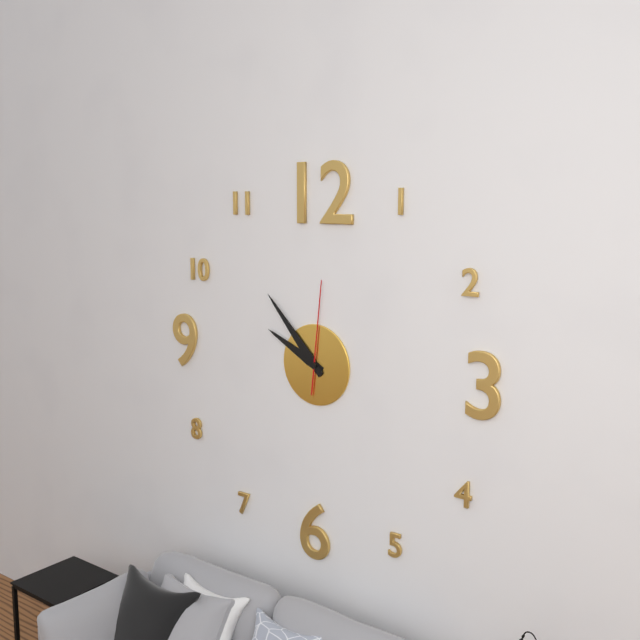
9:53:01
